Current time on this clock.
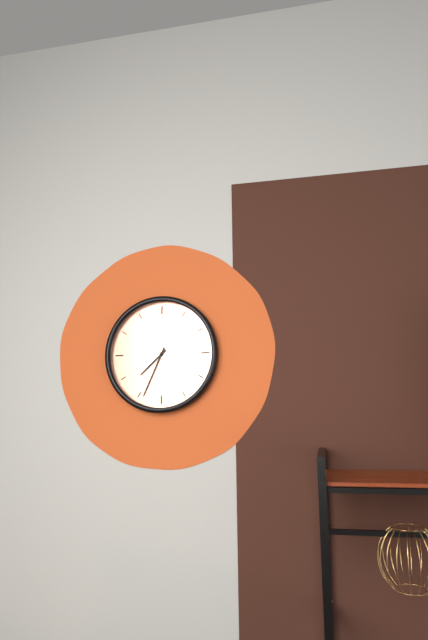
7:34
